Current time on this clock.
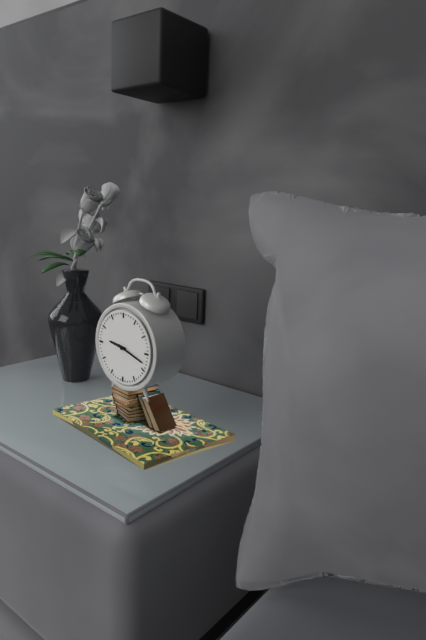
9:18
